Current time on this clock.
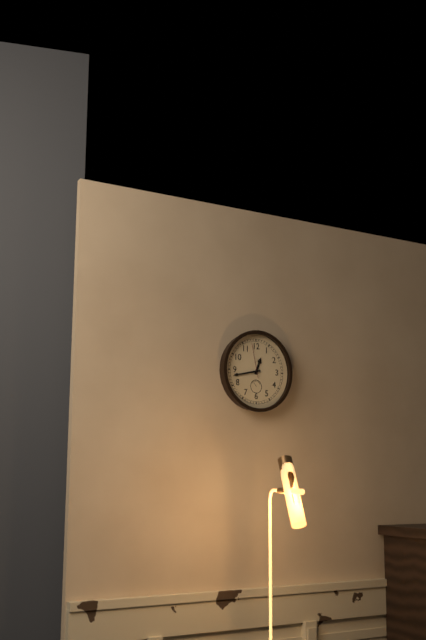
12:43
